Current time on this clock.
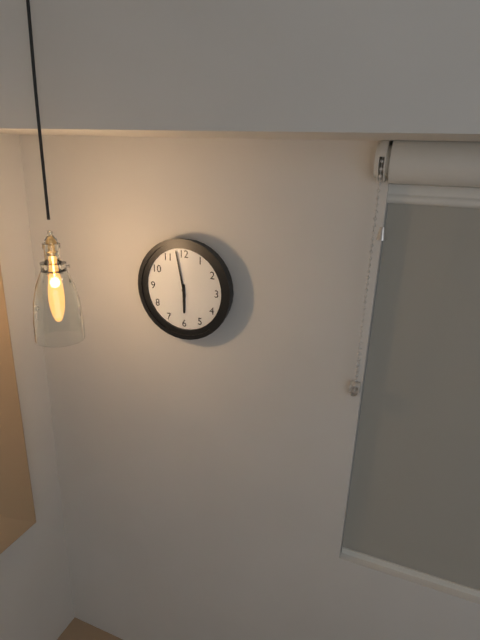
5:58
